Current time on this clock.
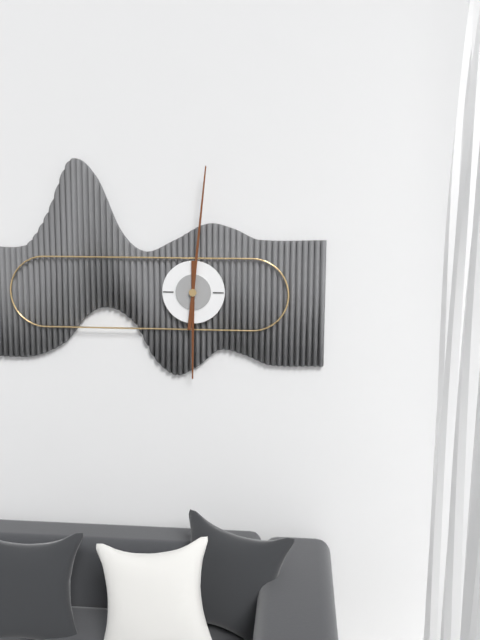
6:01
